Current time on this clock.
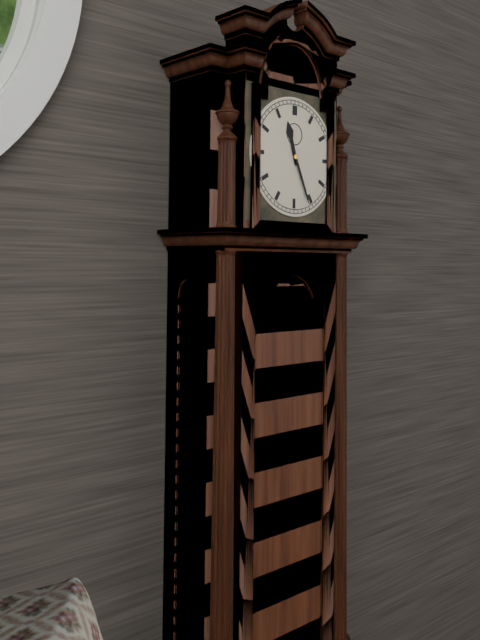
11:26
